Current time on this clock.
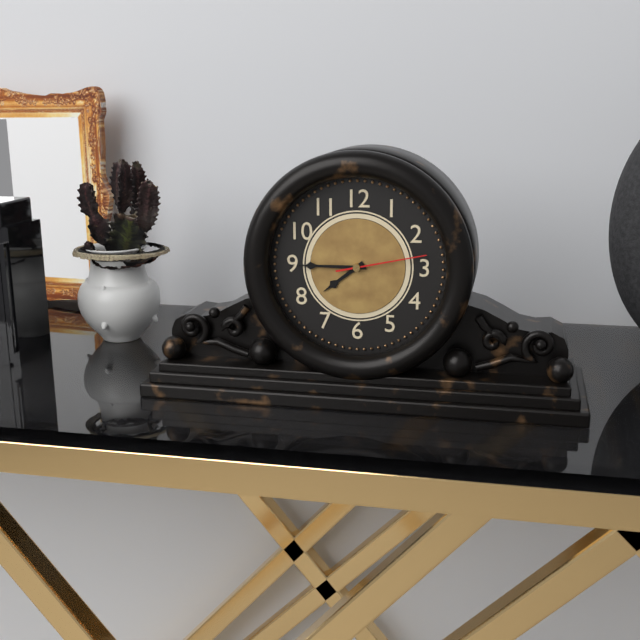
7:45:13
